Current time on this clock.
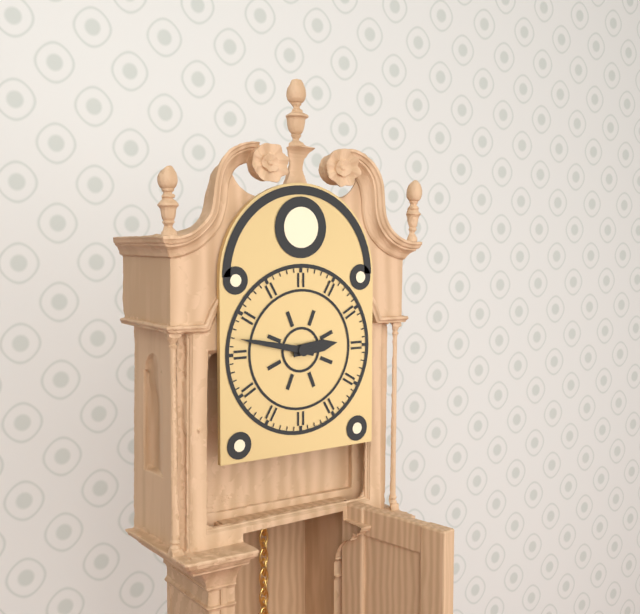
2:47
